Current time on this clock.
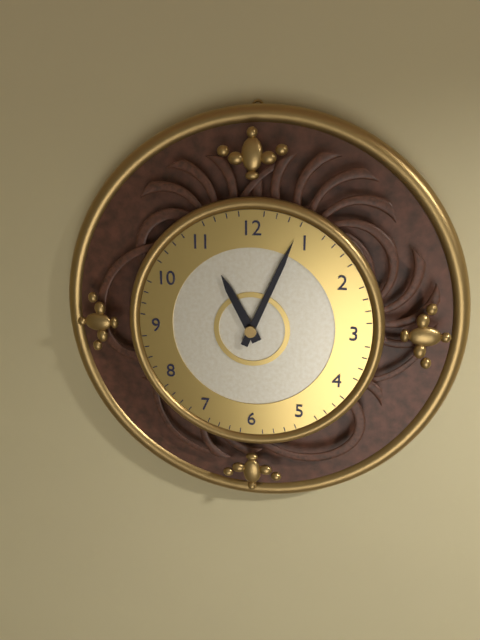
11:04
